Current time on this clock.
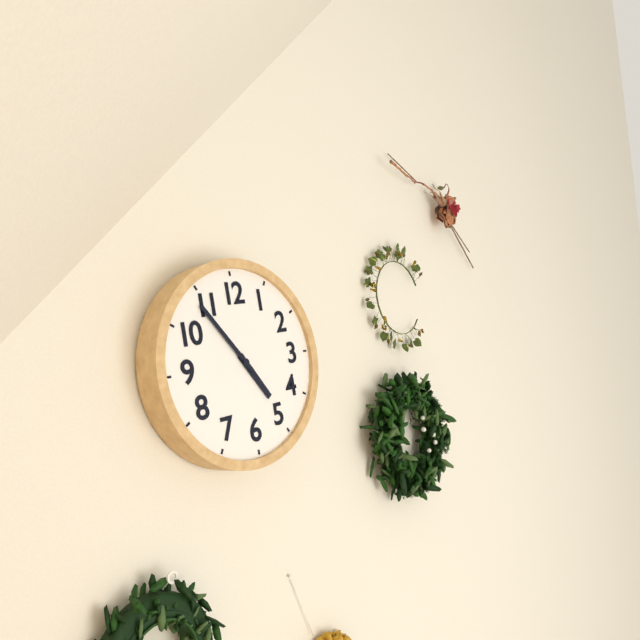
4:54
